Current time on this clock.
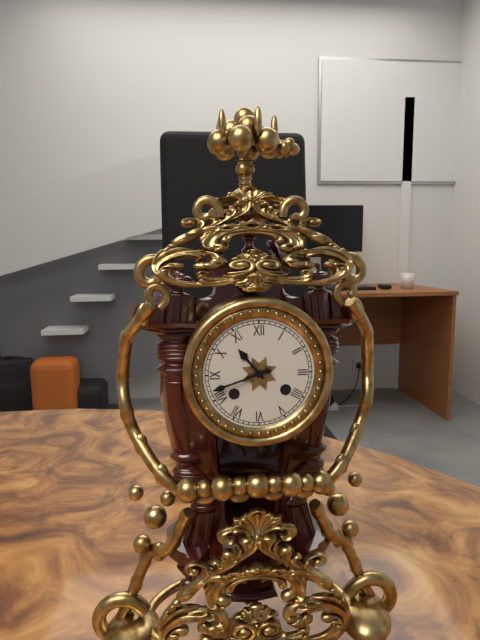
10:42
